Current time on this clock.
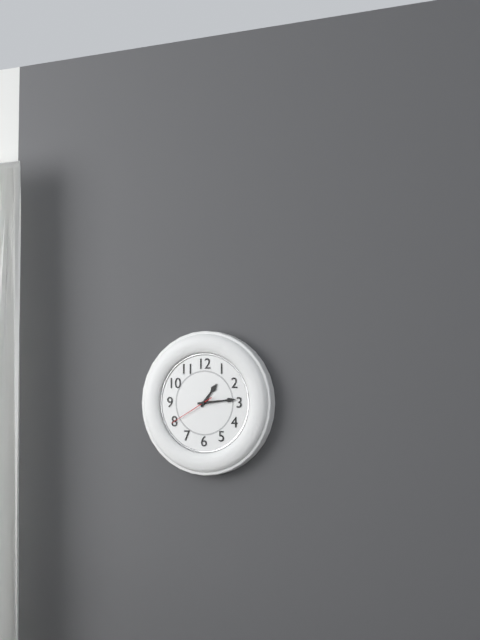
1:14
